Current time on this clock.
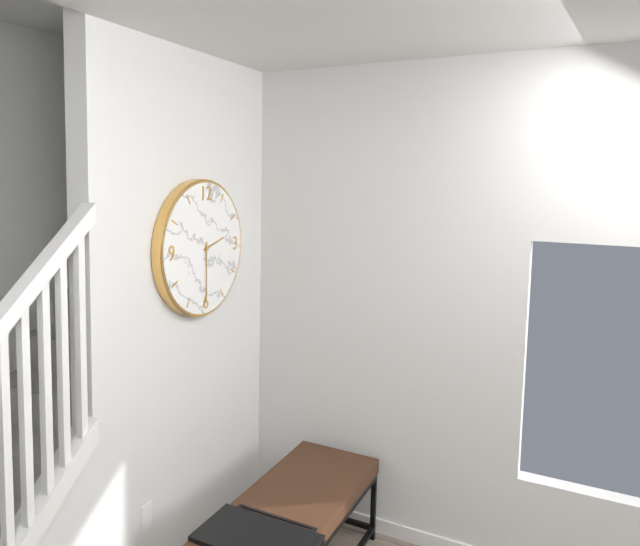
2:30
